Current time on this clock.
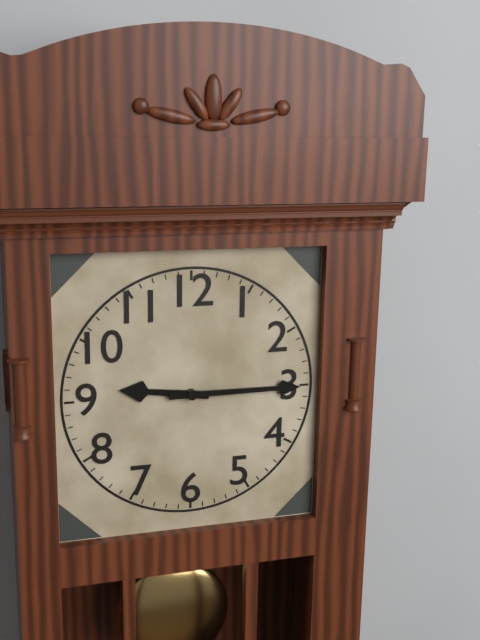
9:15
